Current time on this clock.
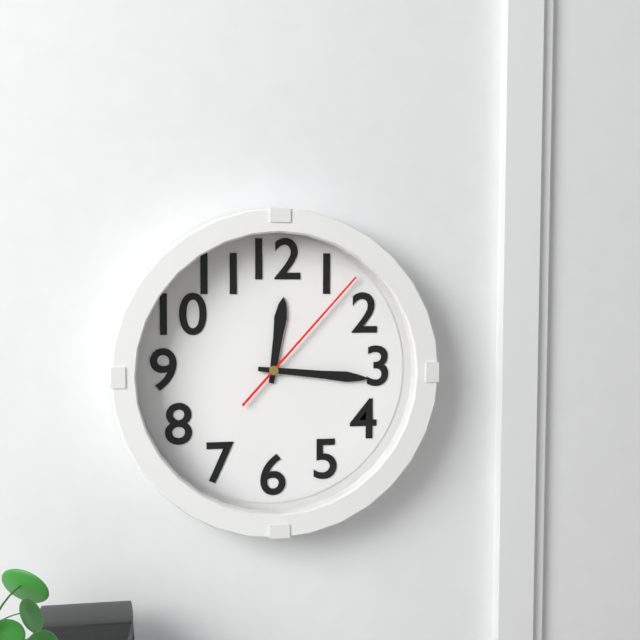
12:16:07
